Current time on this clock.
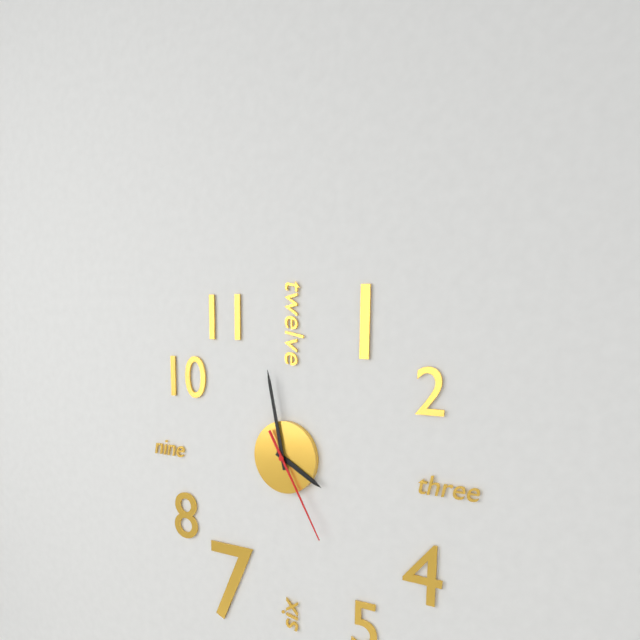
3:58:25
